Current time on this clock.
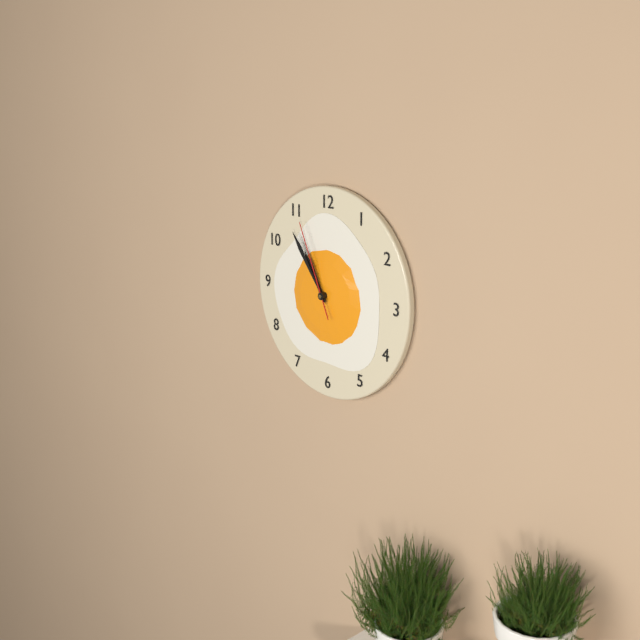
10:54:56
